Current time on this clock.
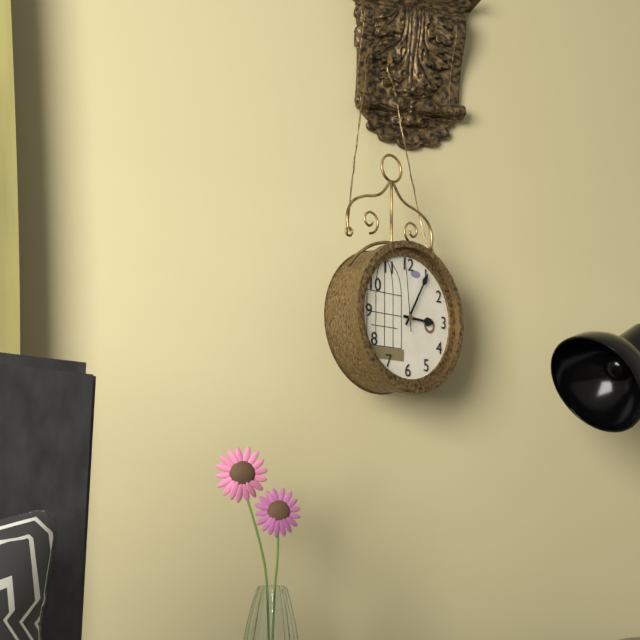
3:05:59
